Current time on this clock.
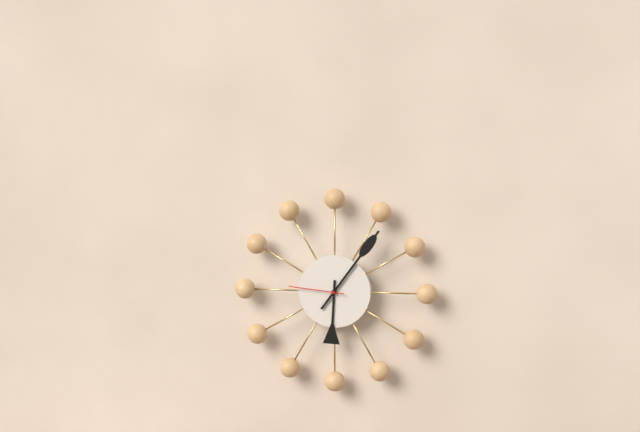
6:06:46
